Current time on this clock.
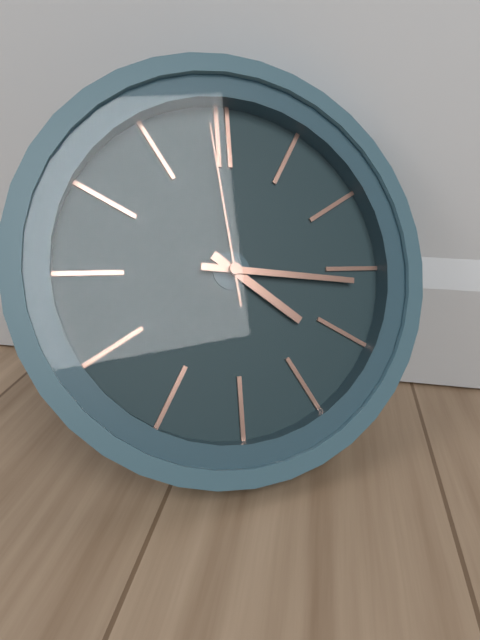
4:16:59
